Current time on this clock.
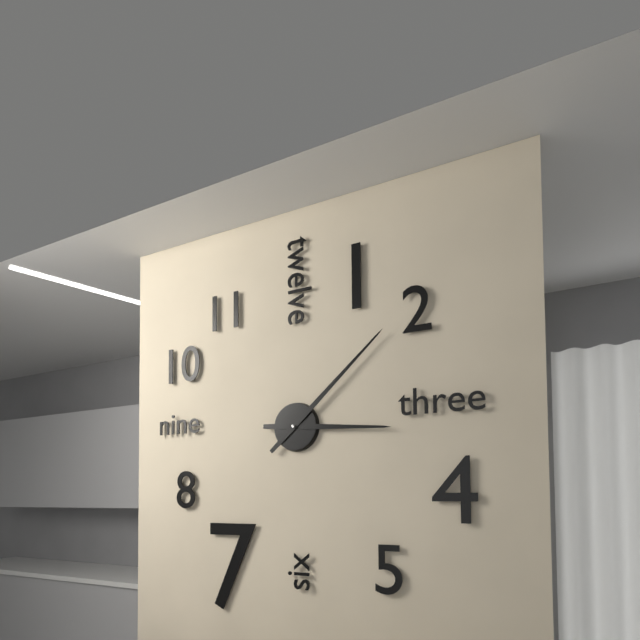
3:08
